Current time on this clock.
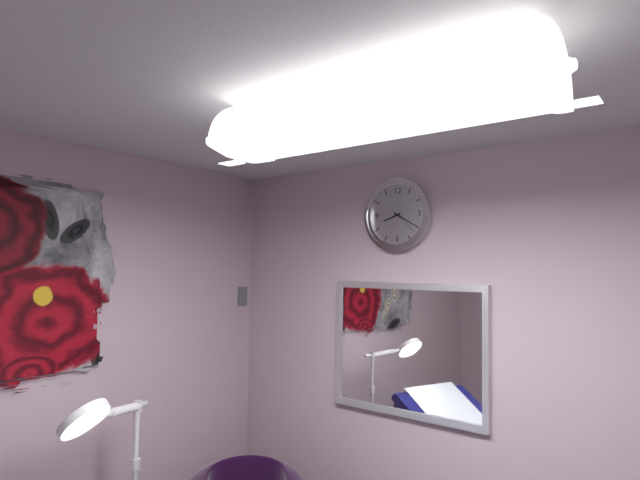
8:20
